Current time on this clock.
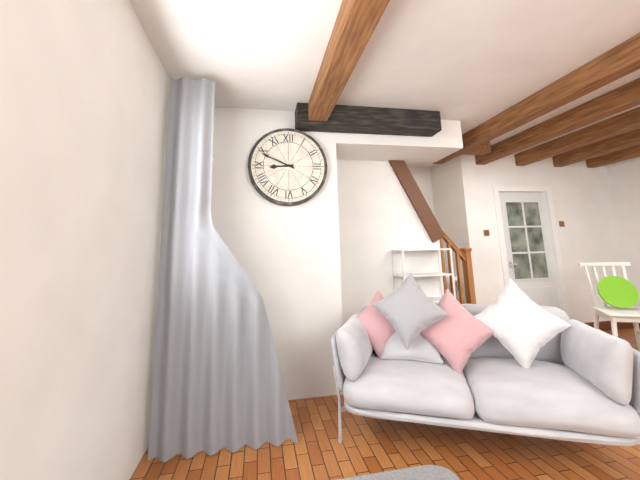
8:49
